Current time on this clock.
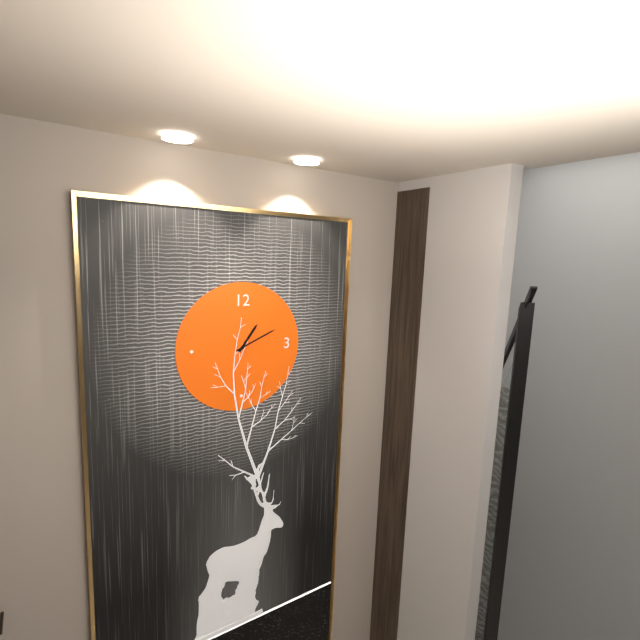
1:11
